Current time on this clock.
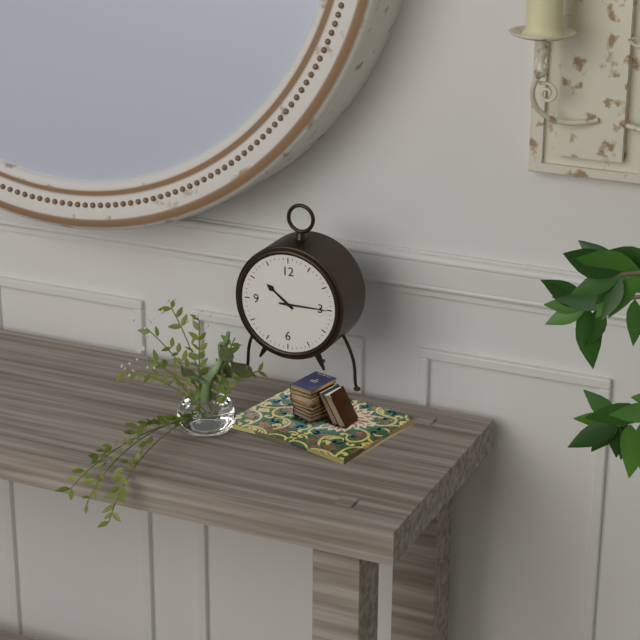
10:15
